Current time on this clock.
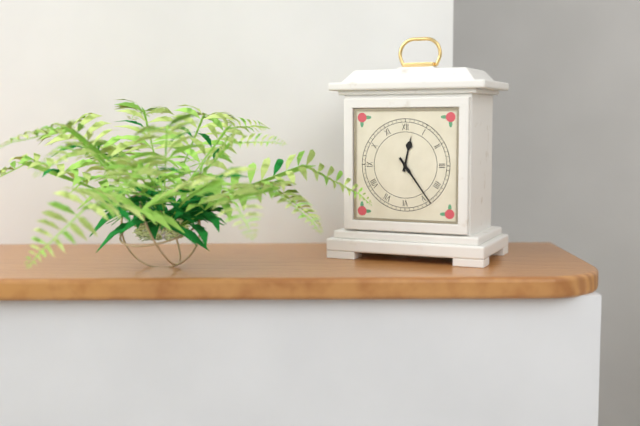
12:24
